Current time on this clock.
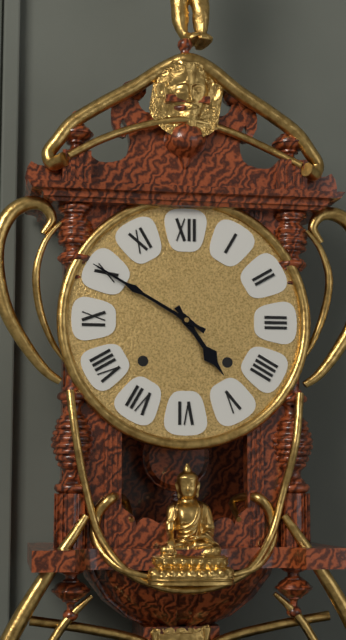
4:50
